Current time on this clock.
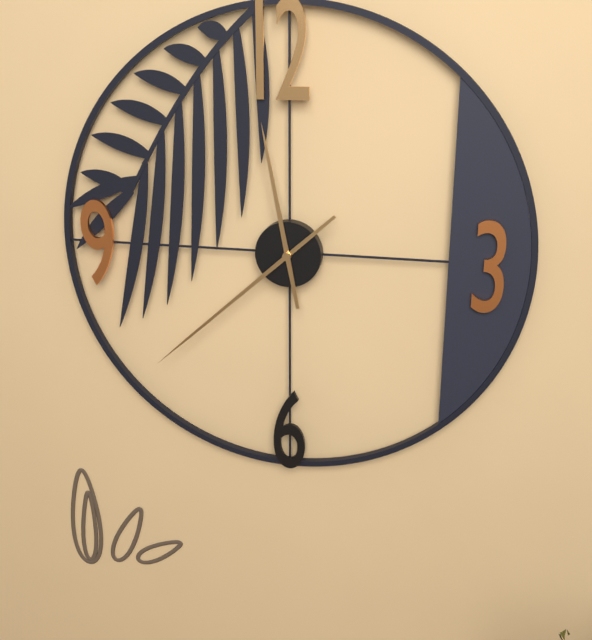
11:38
